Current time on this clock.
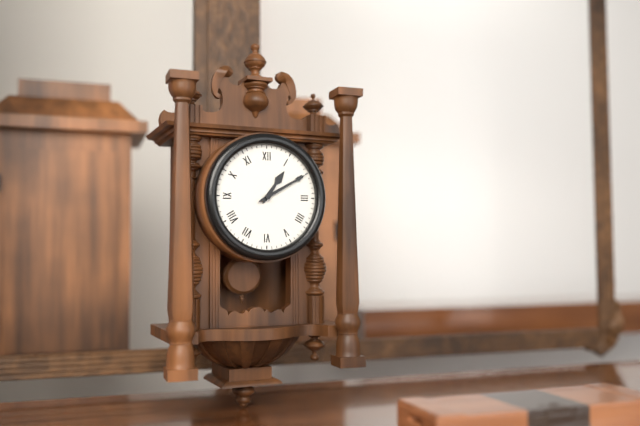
1:10
